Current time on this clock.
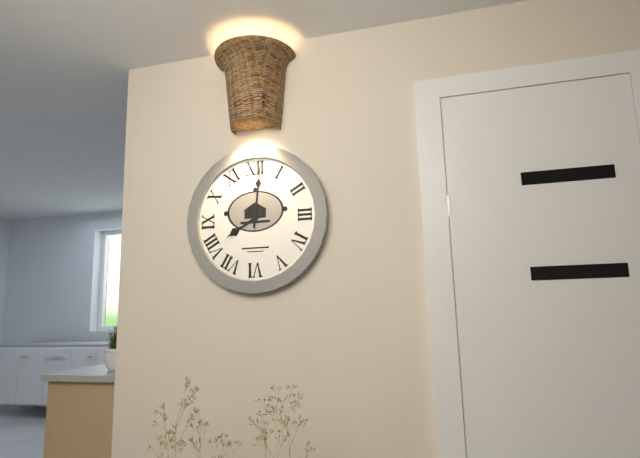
8:01
